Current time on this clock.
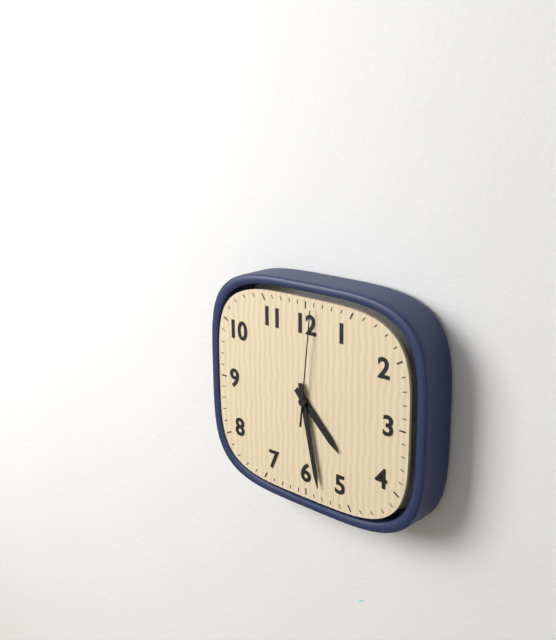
4:28:01
